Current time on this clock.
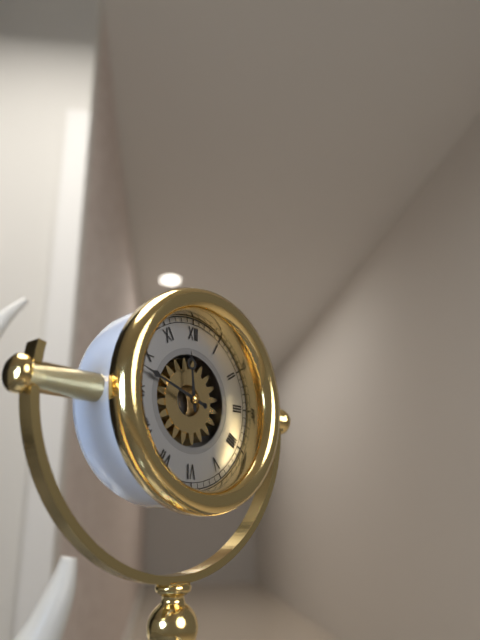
11:48
